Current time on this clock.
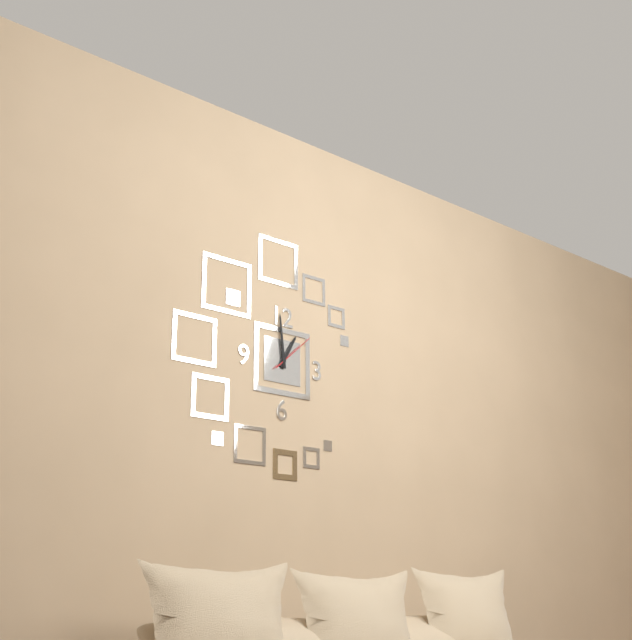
12:59
